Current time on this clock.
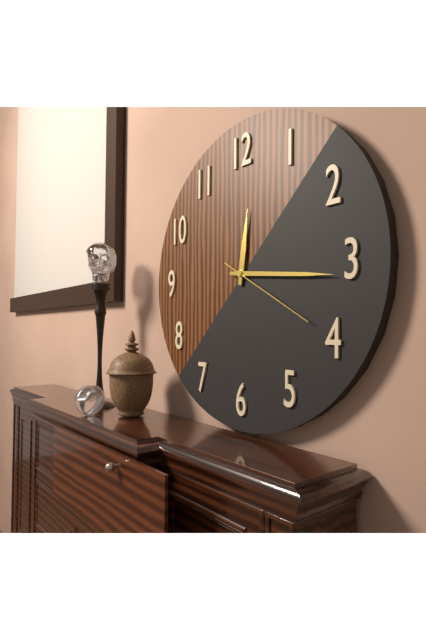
12:16:20
